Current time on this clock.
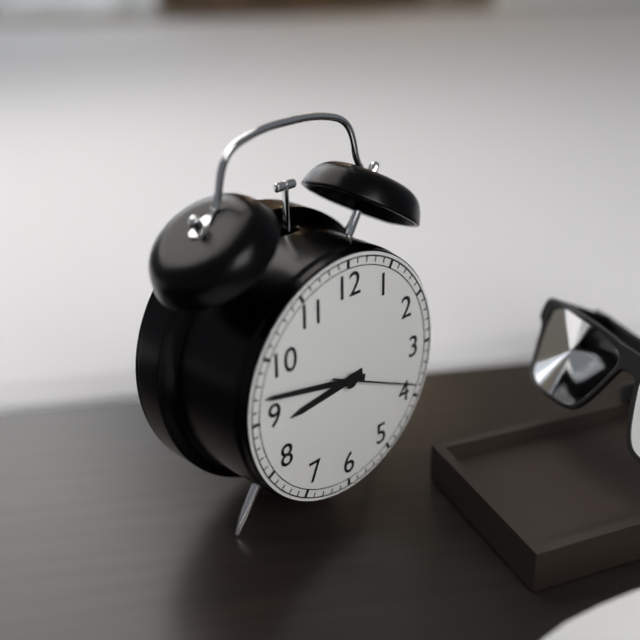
8:47:19
